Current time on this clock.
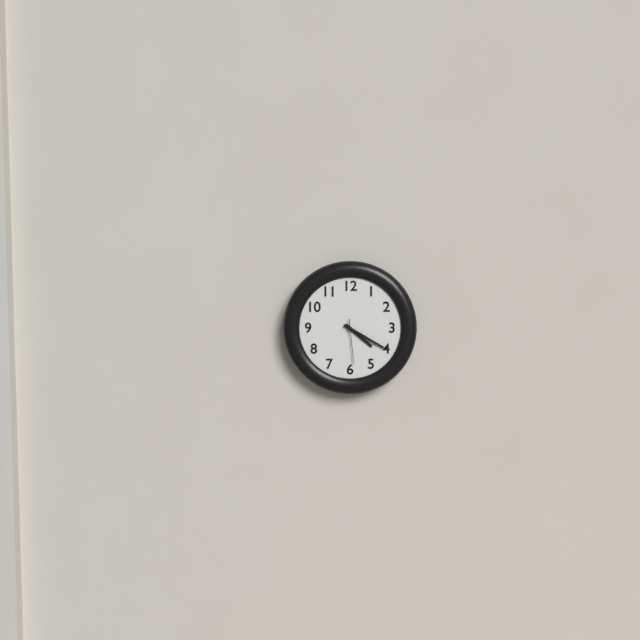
4:20
